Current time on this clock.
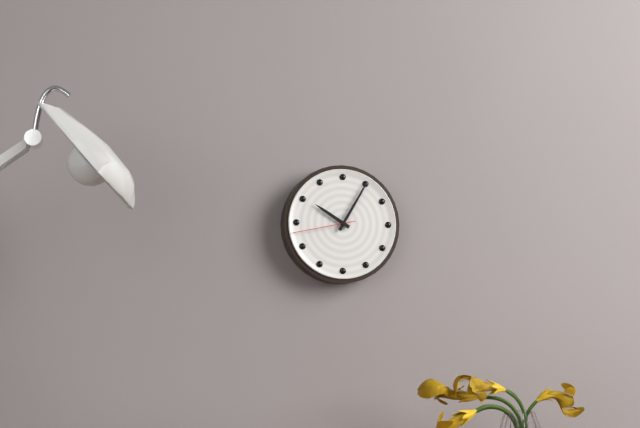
10:05:43
